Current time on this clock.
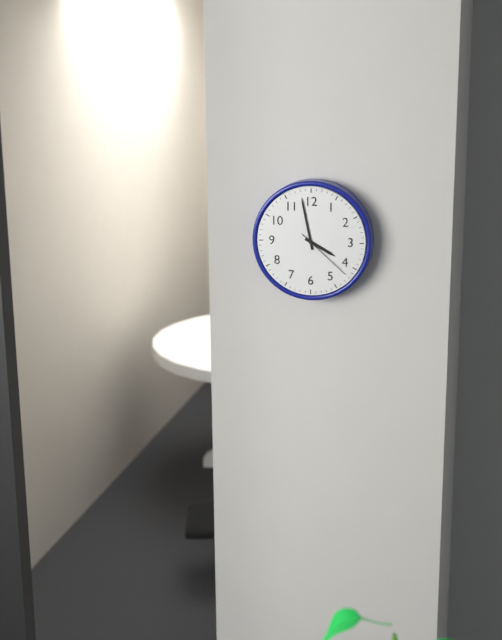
3:58:22
